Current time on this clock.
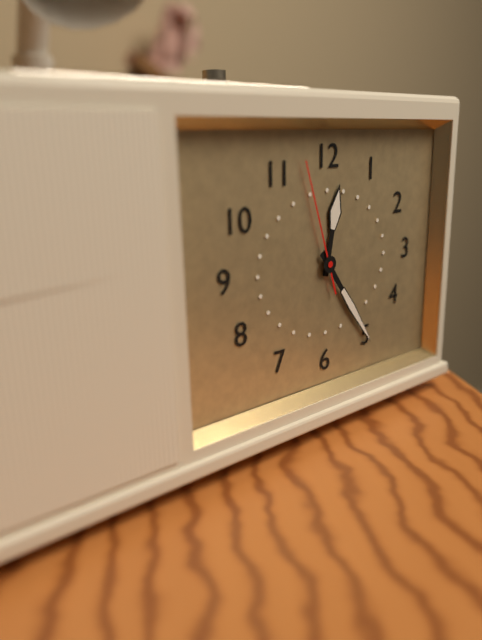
12:24:57
